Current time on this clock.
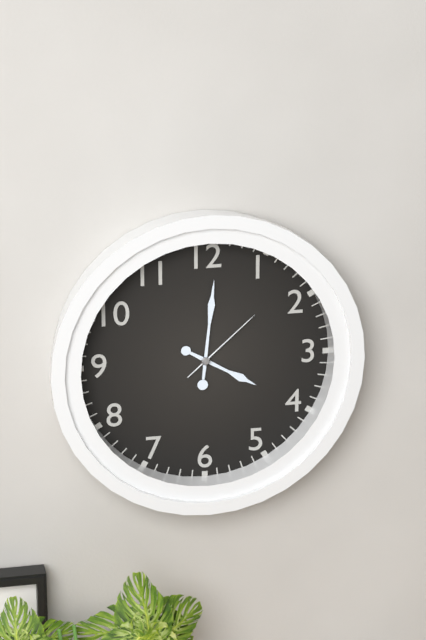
4:01:08
